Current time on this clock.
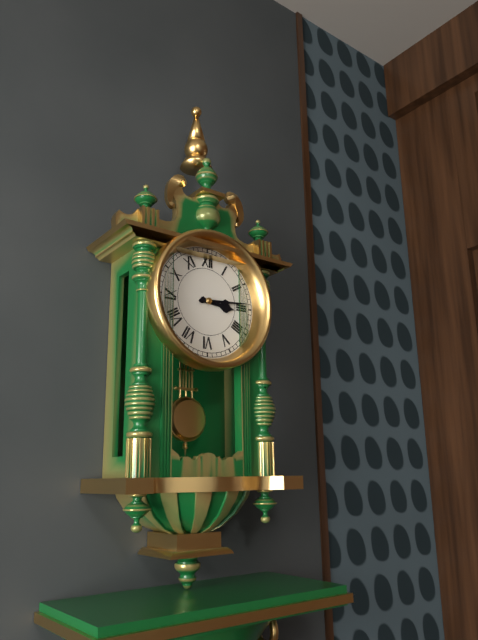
3:14
